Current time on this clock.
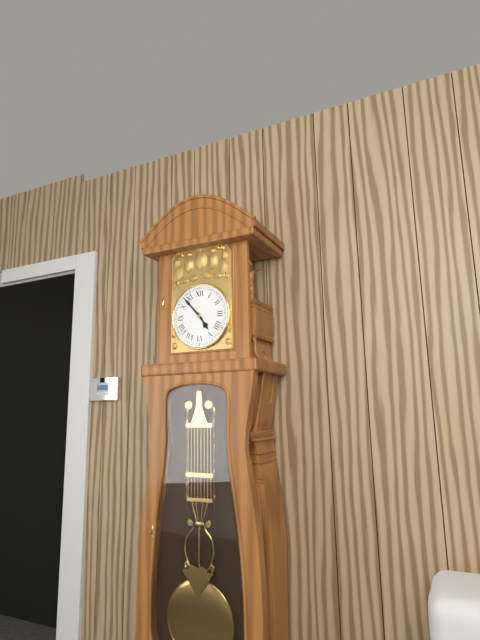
4:53
